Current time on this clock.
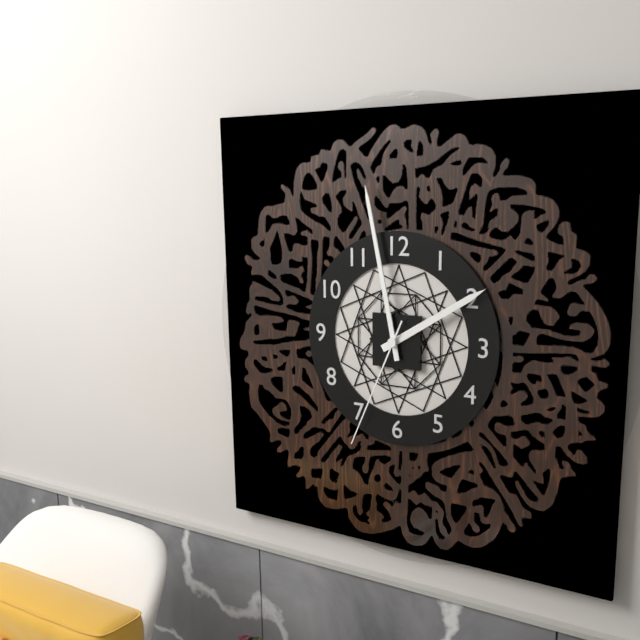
1:58:34
